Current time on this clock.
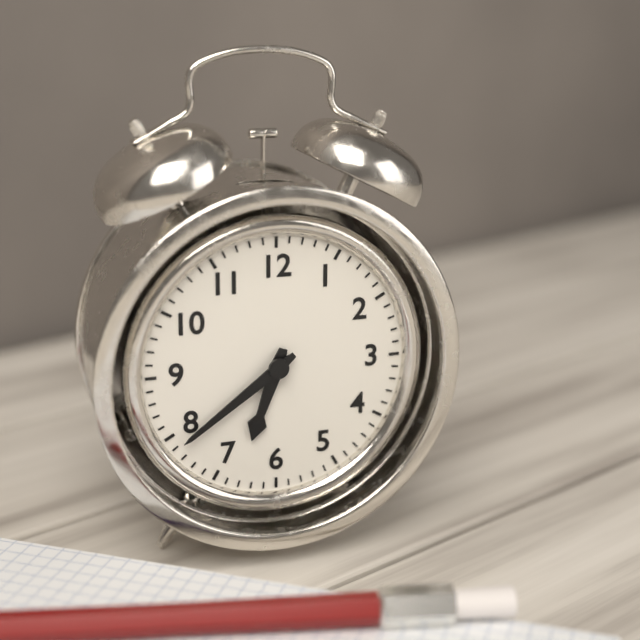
6:39
